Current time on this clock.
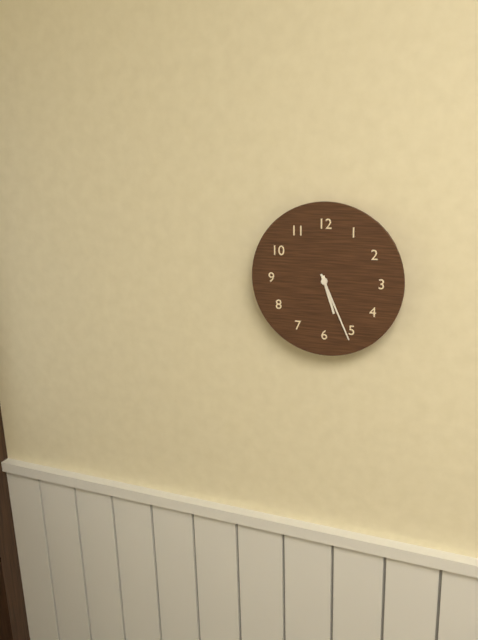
5:26
